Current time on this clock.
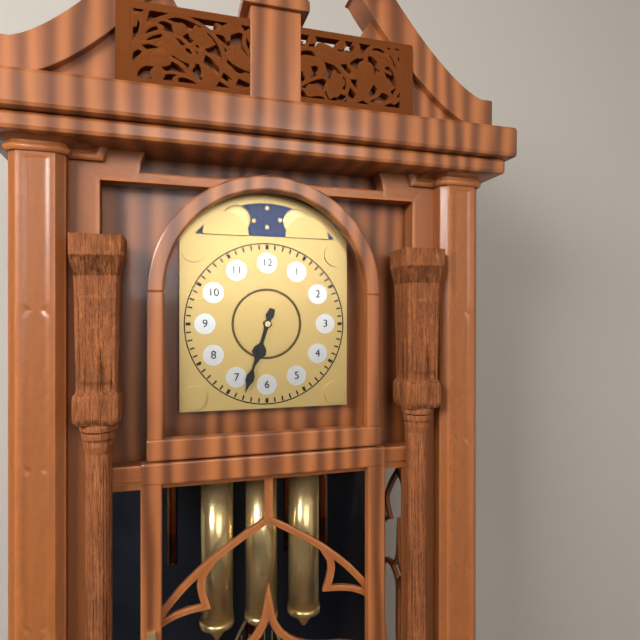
6:33
